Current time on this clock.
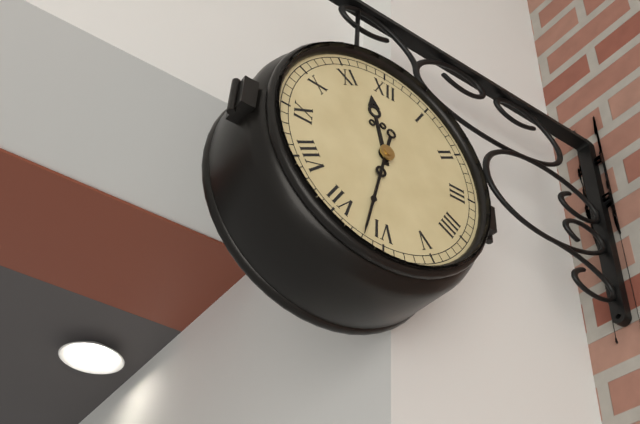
11:32
